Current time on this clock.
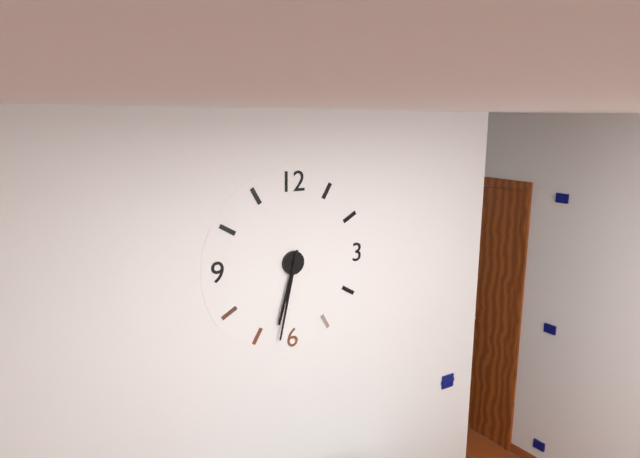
6:32
